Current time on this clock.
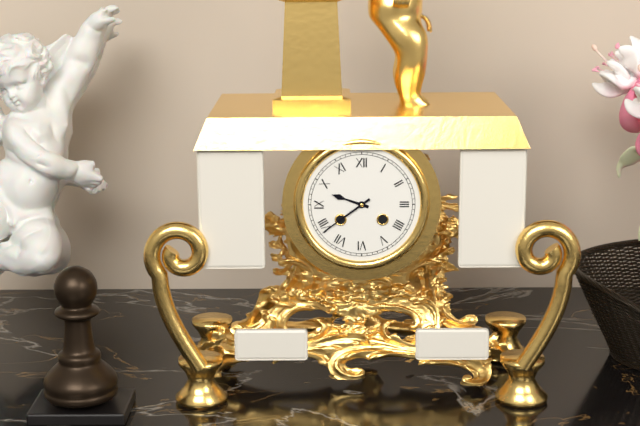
9:39
